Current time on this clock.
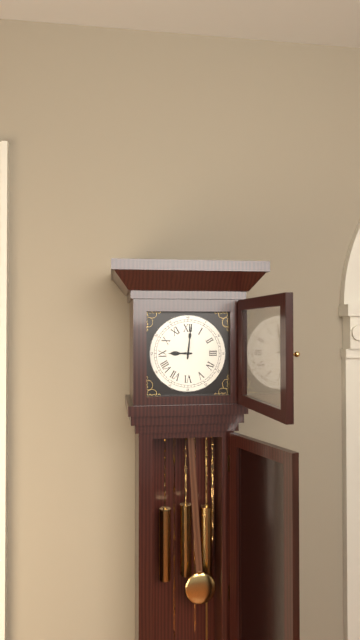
9:01
